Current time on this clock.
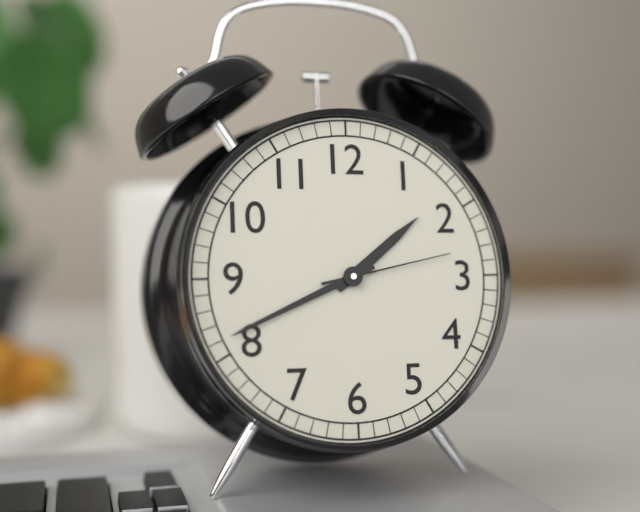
1:41:13
